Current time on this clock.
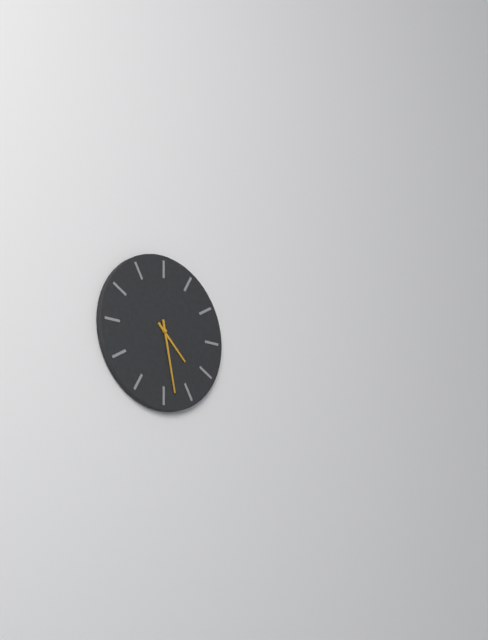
4:28
